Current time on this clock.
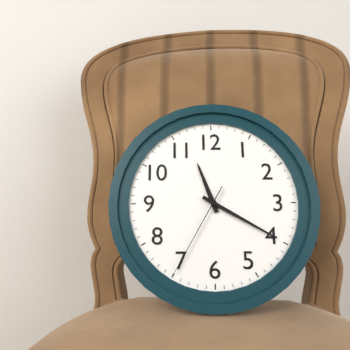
11:20:35
